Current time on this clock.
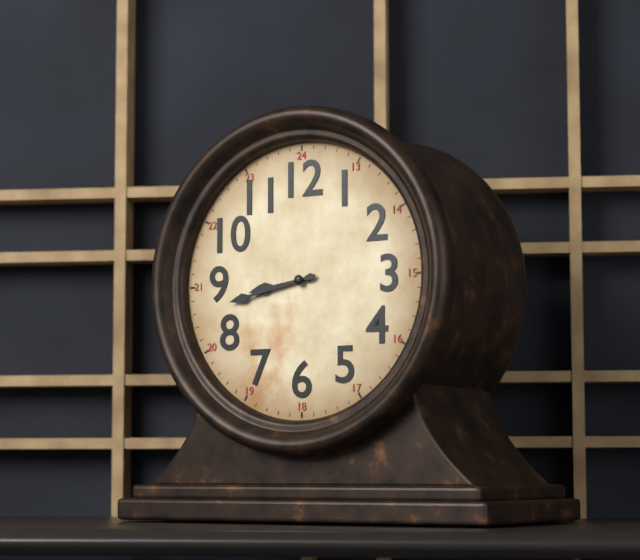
8:43
